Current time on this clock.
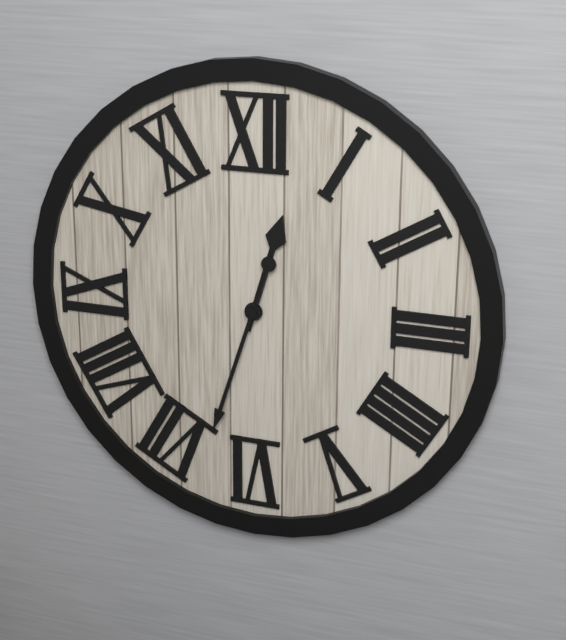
12:33
